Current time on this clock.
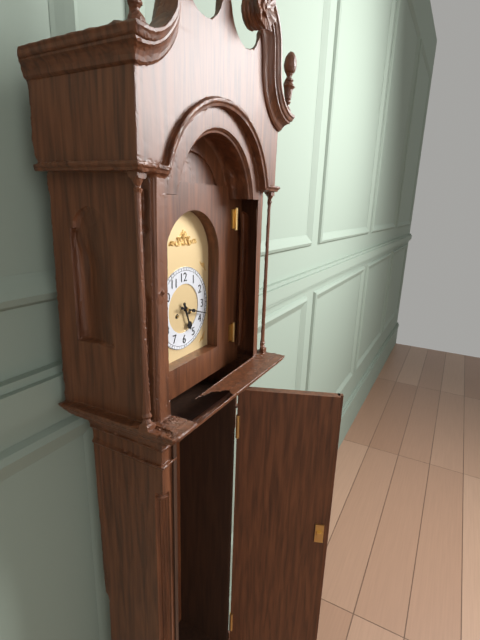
5:18
